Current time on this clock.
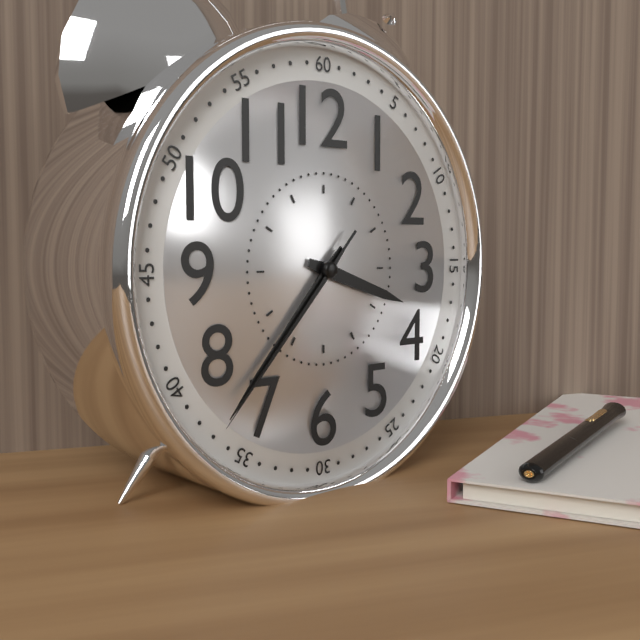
3:37:37
